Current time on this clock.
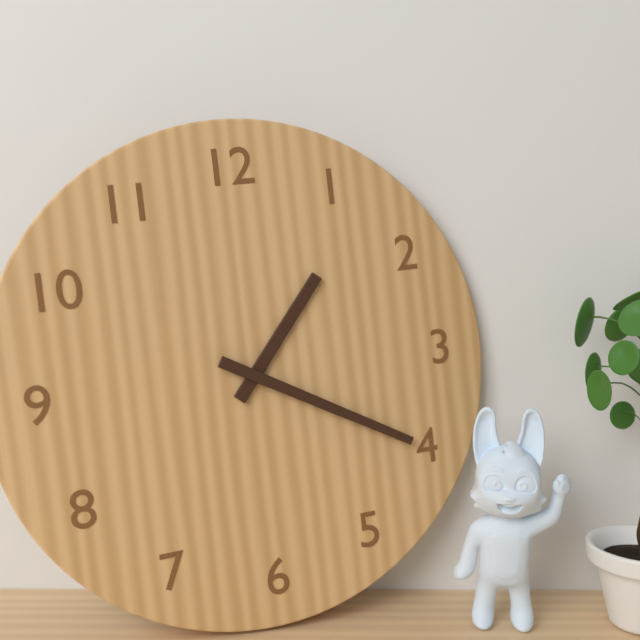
1:20
